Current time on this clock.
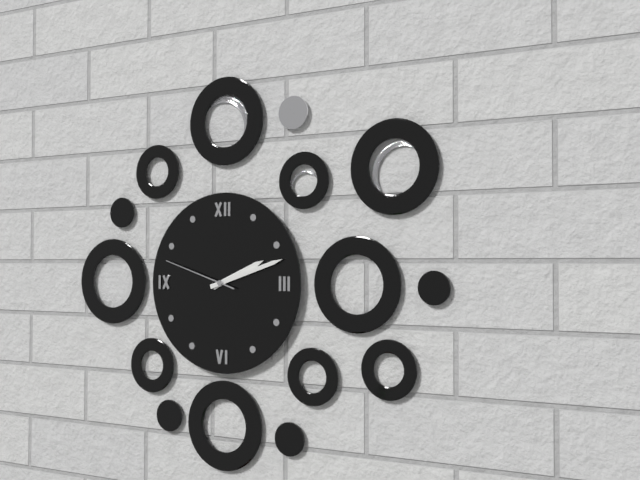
2:12:48
